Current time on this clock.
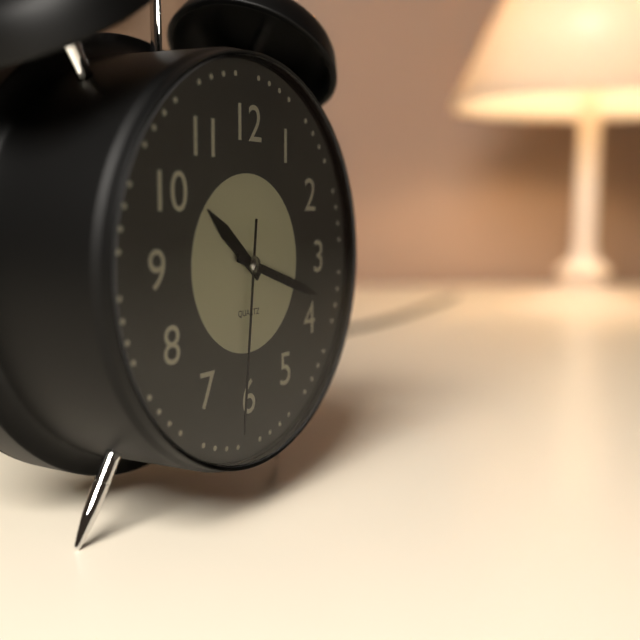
10:18:31
